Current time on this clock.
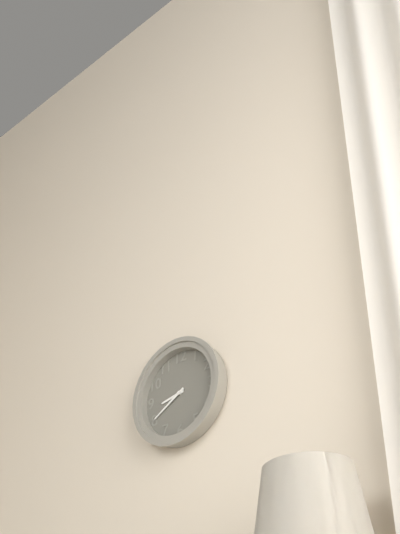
8:40
